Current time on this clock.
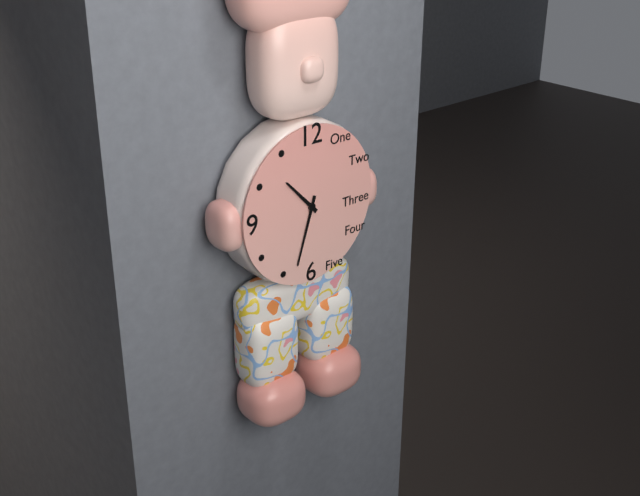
10:33
